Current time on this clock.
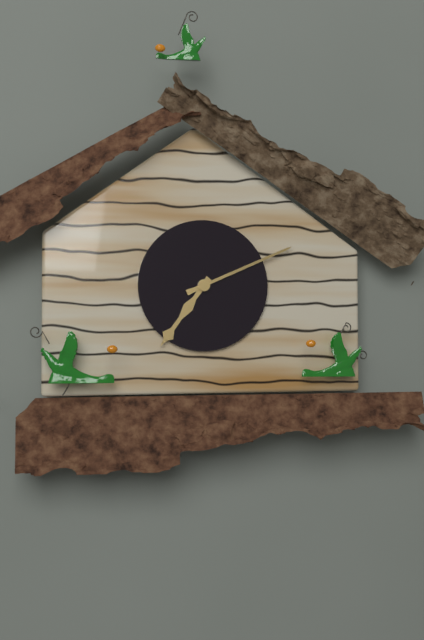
7:11
